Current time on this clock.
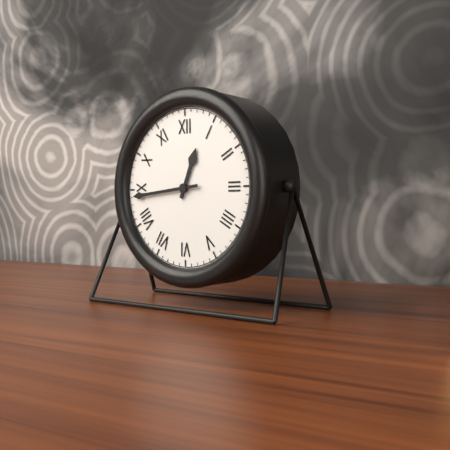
12:44
